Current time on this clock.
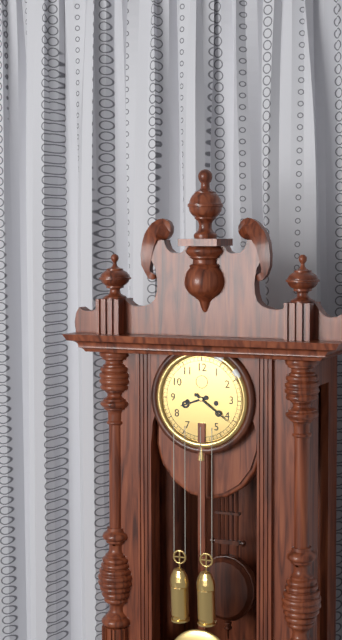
8:21
